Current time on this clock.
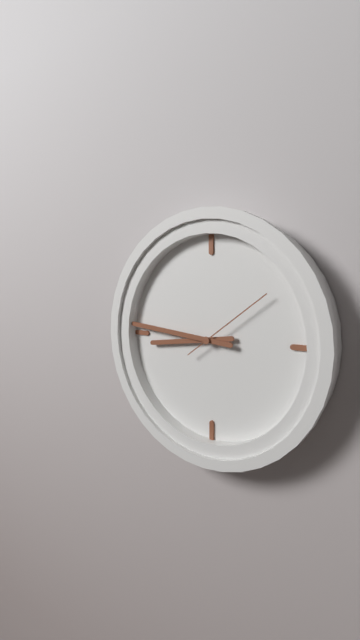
8:46:09
